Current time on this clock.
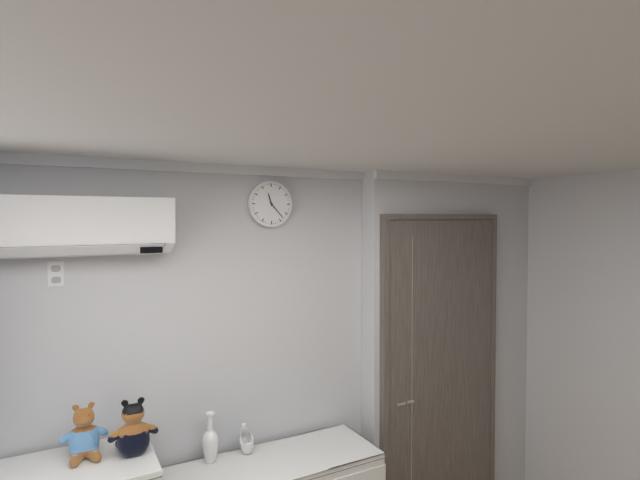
11:23
